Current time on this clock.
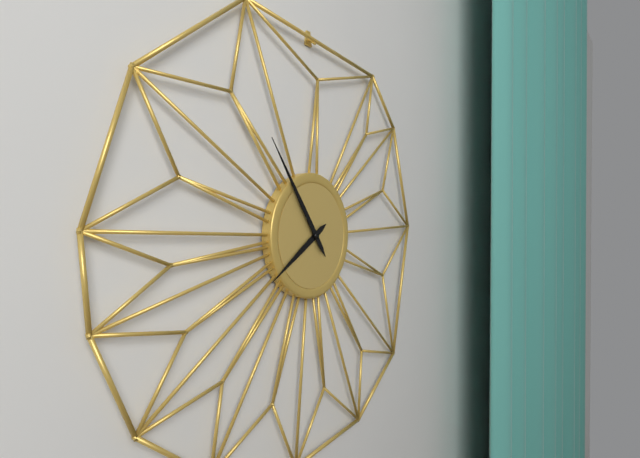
7:54
